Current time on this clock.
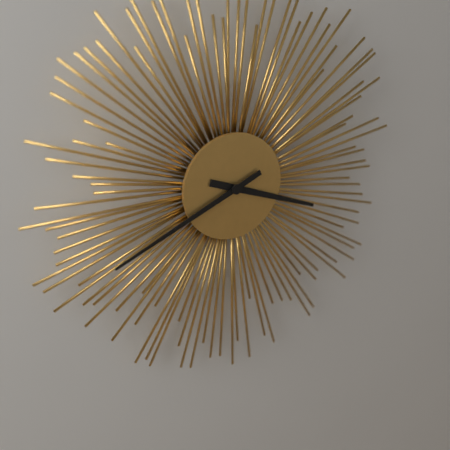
3:41
